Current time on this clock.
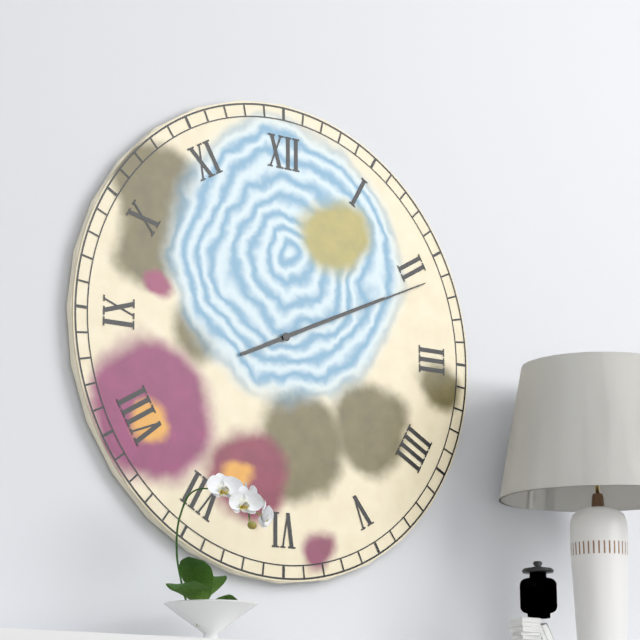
2:11
